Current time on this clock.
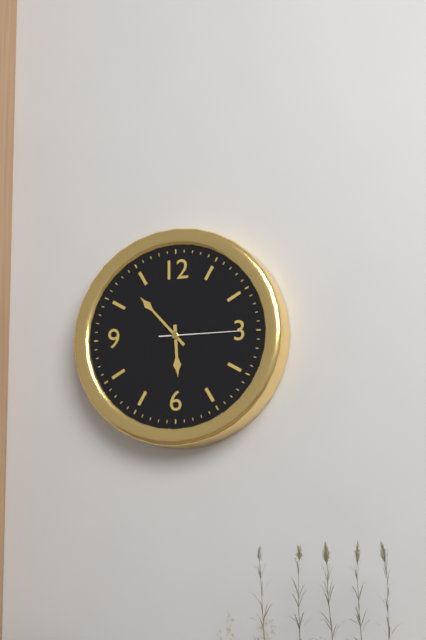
5:53:15
